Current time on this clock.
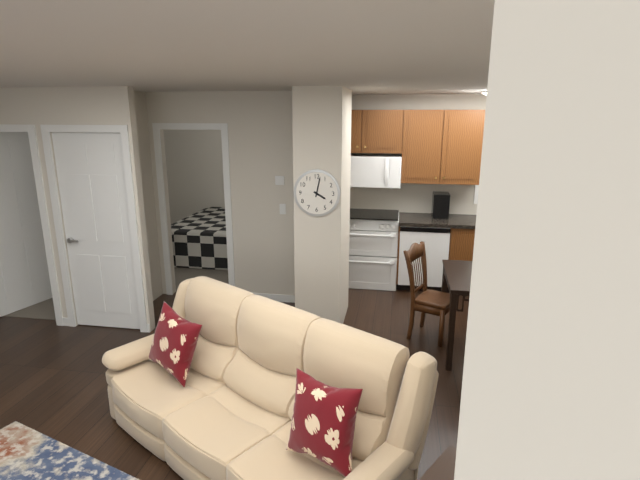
4:02
